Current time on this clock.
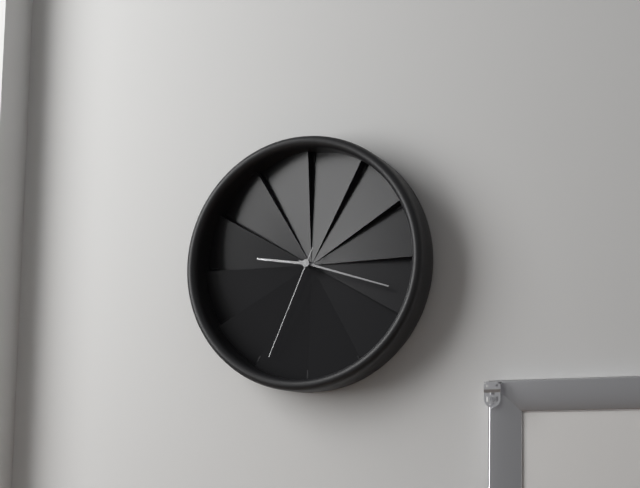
9:18:34
